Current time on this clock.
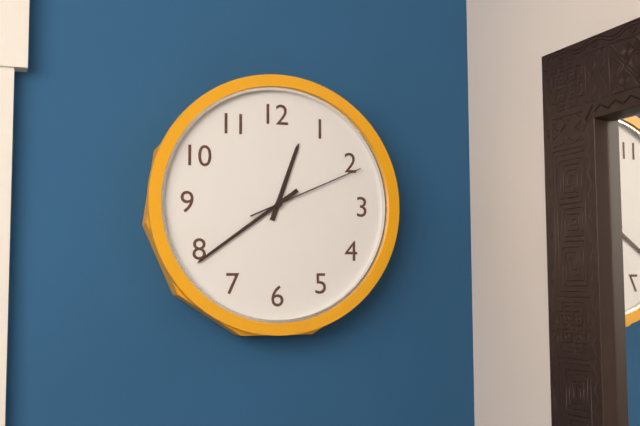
12:39:11
